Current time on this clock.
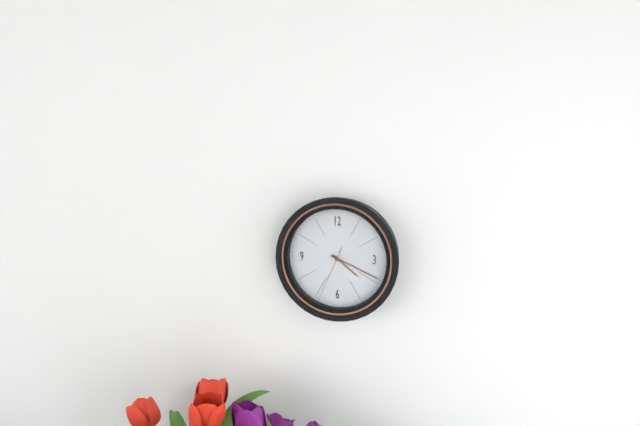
4:19:34
